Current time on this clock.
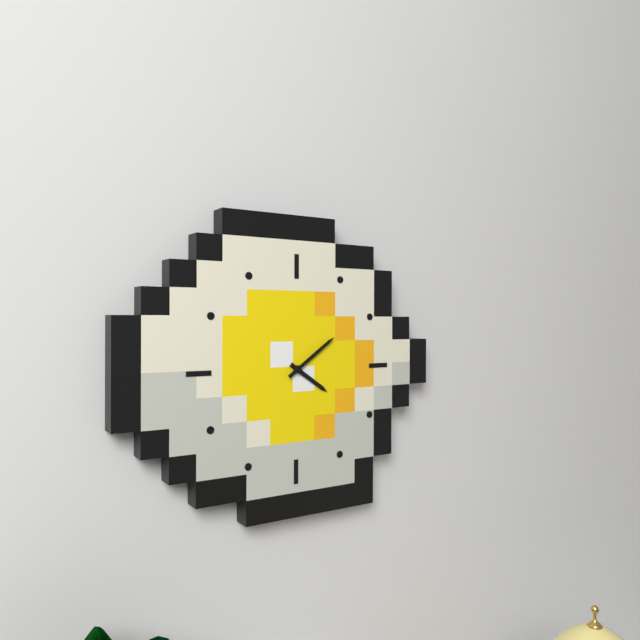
4:09
